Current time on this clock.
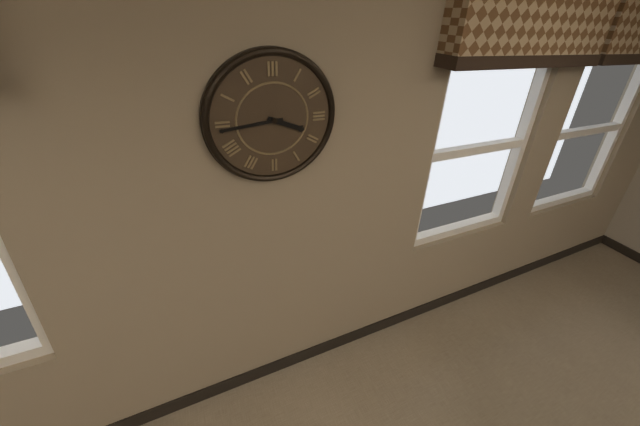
3:44
